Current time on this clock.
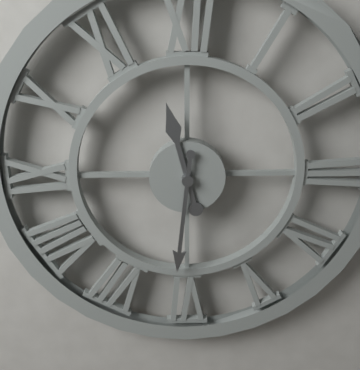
11:31
